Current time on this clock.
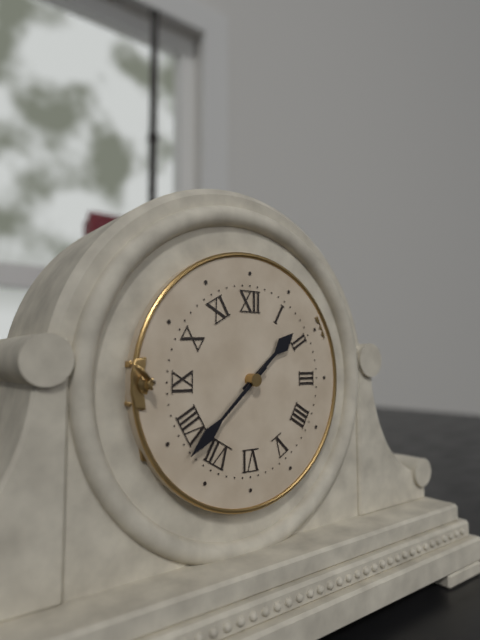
1:38
